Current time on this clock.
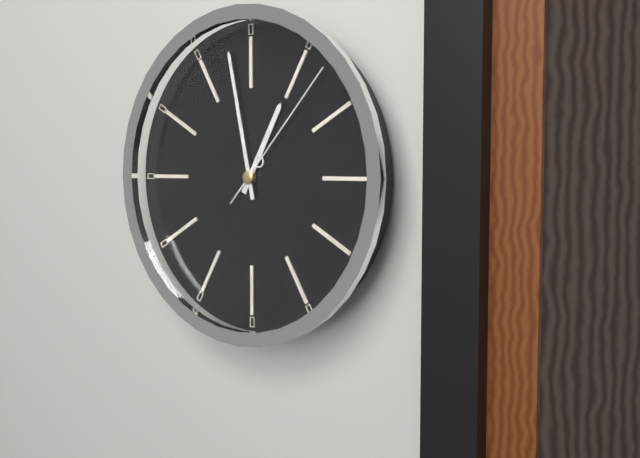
12:58:07
